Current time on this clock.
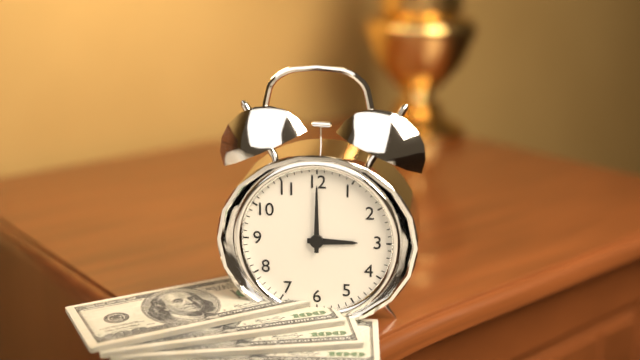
3:00
